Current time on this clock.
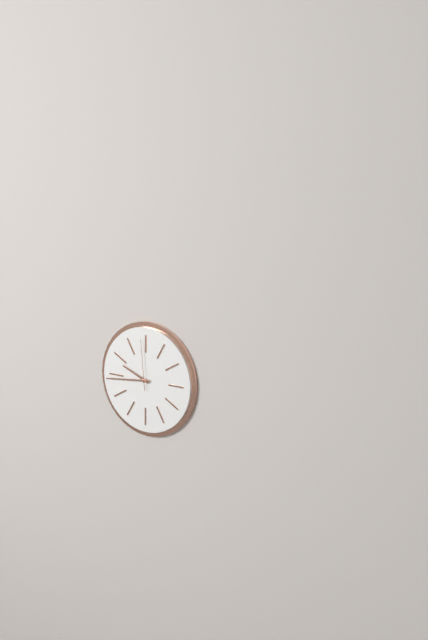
9:44:59
